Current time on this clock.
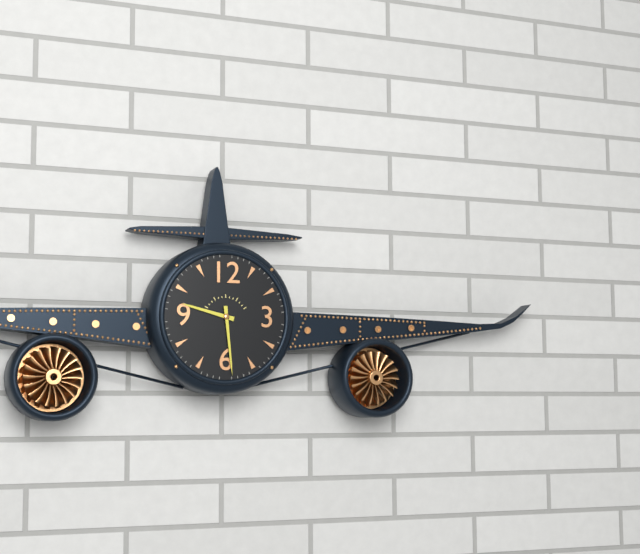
9:29
